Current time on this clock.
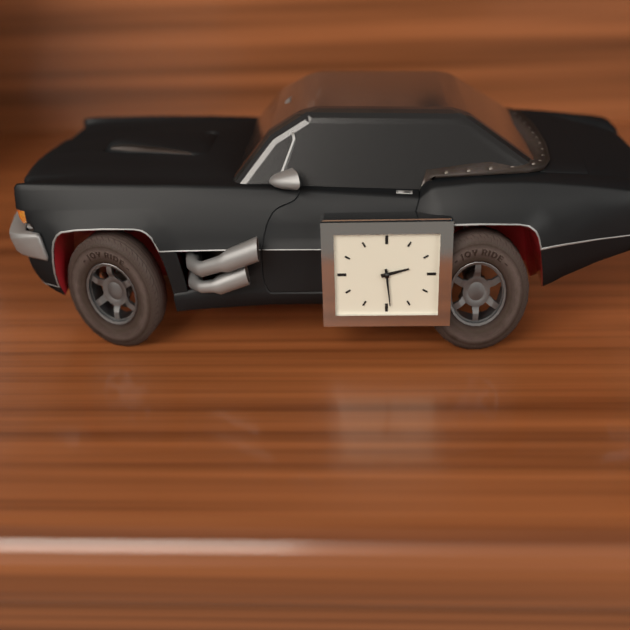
2:29
